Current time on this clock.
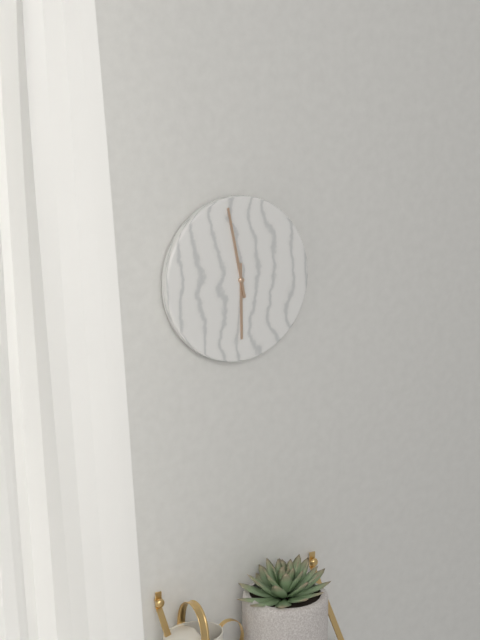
5:58
